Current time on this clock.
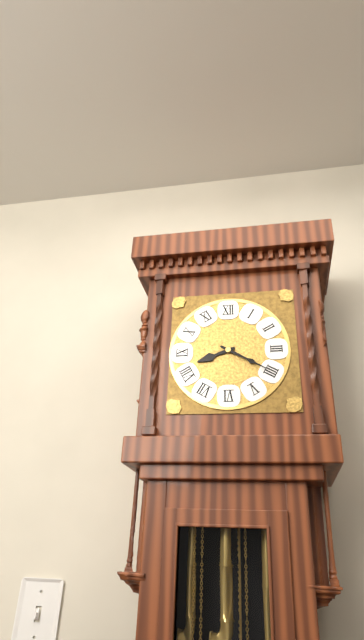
8:20
